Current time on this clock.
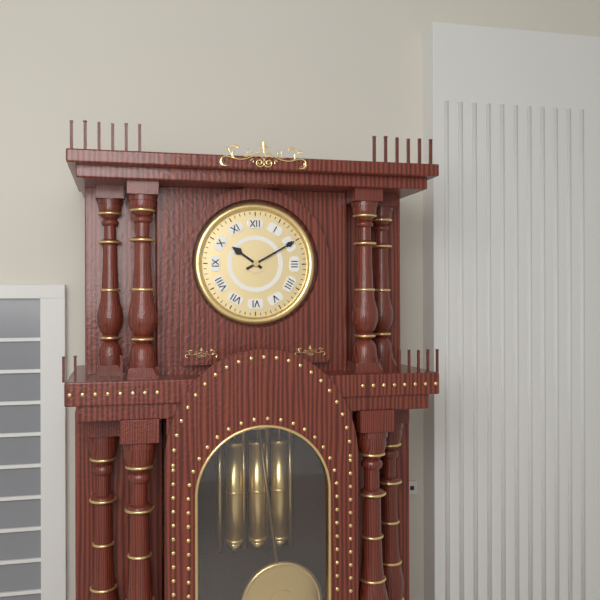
10:10
